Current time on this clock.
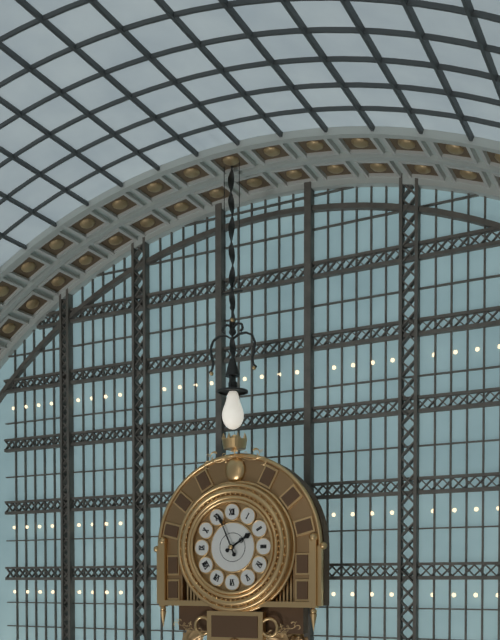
1:56
